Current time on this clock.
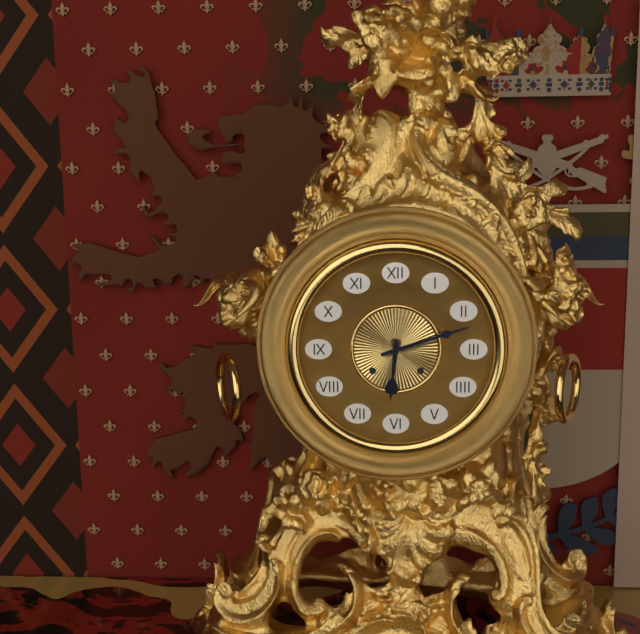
6:12
